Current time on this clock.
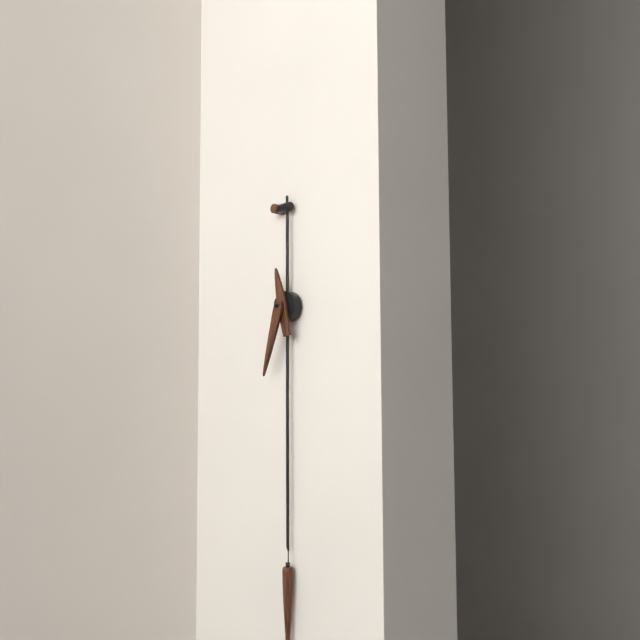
11:33
